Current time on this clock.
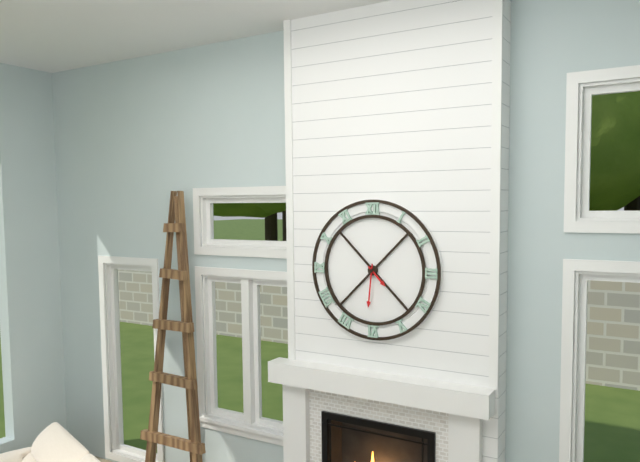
4:31
